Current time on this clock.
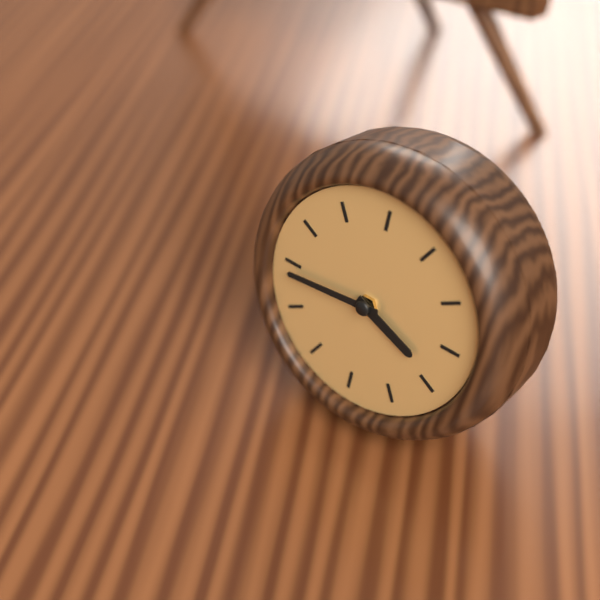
3:44
